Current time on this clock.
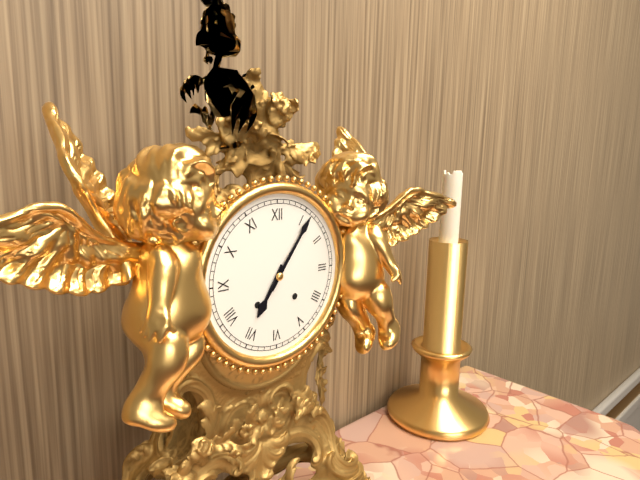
7:06
